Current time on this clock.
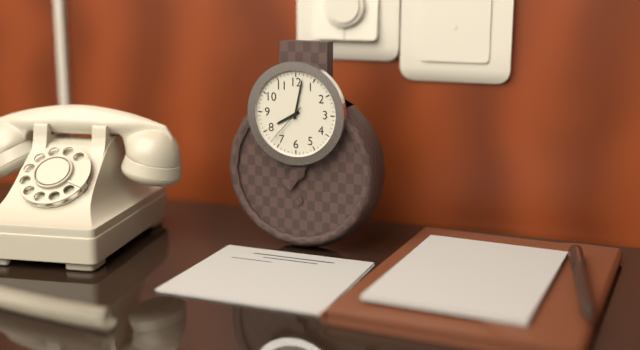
8:02
